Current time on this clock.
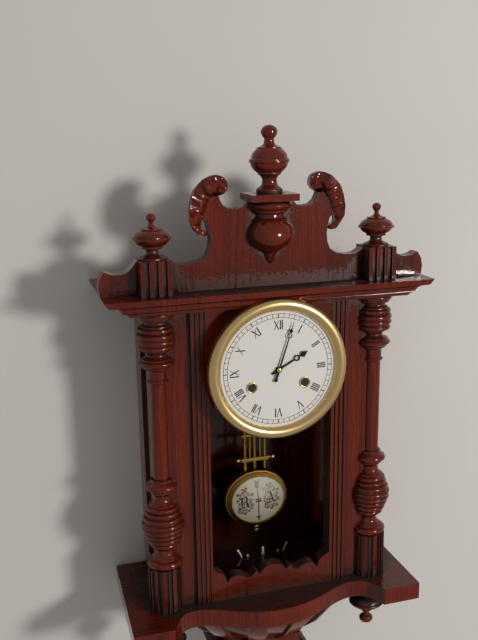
2:03
